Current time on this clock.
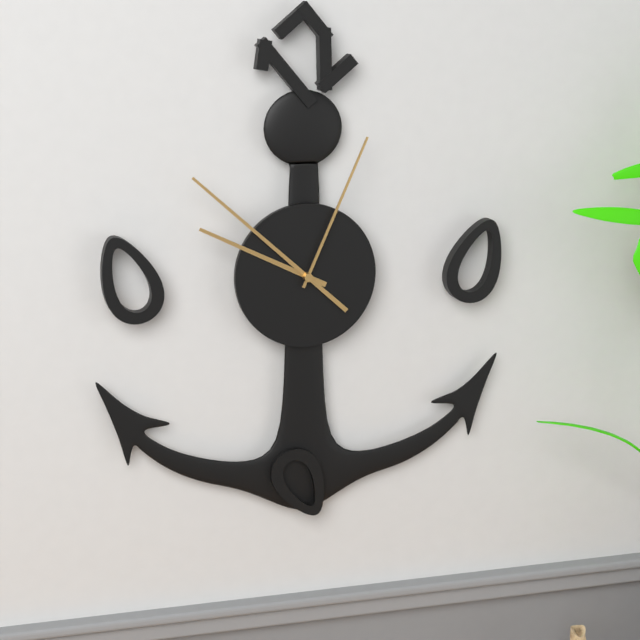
9:52:04
